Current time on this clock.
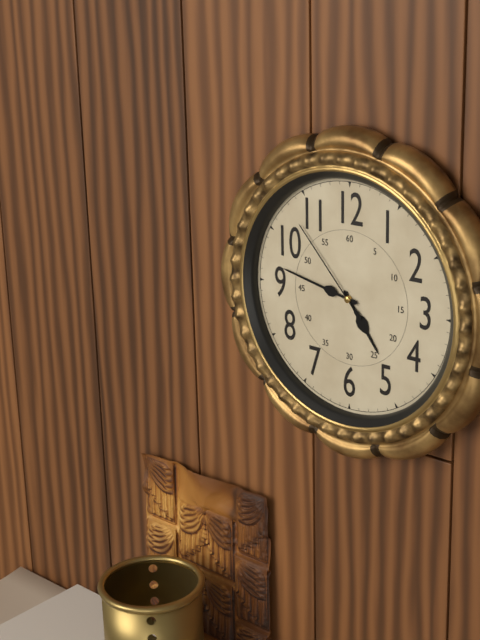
4:47:53
